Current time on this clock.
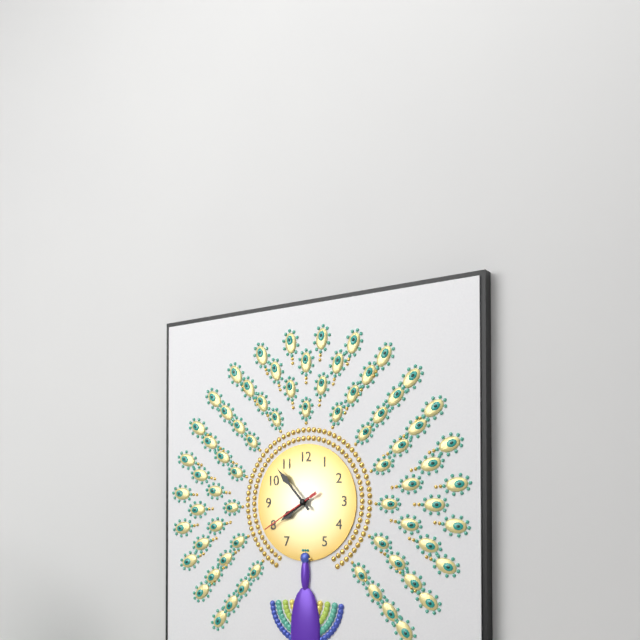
7:53:40
